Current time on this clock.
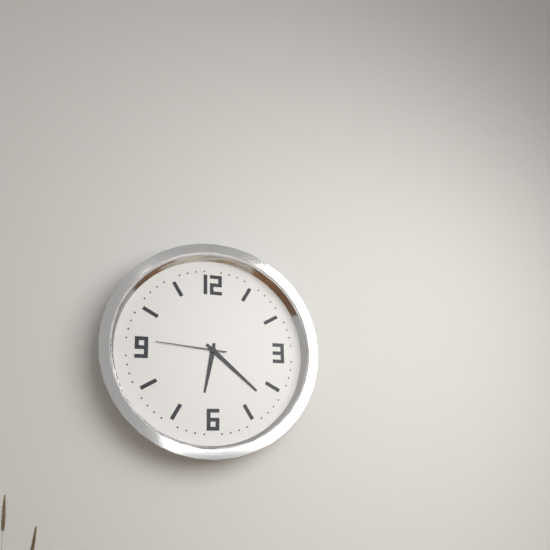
6:22:46
